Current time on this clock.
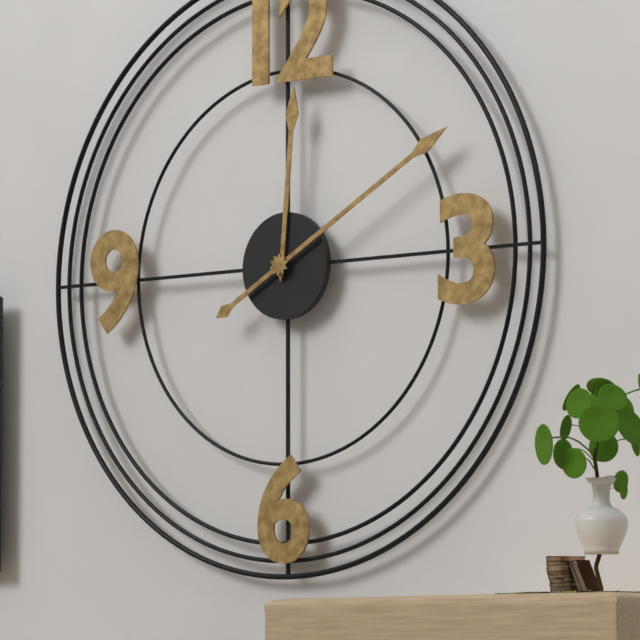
12:10
